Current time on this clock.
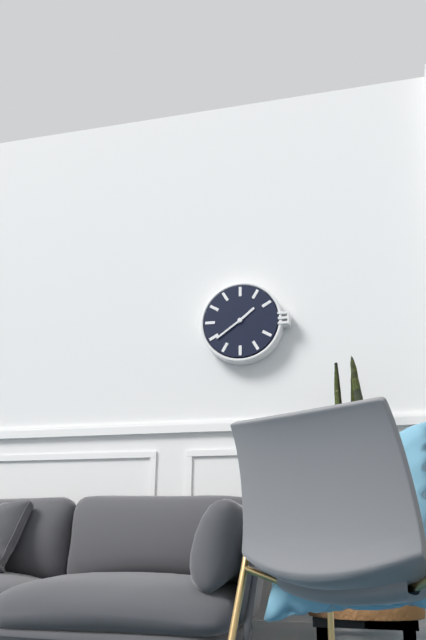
1:39
